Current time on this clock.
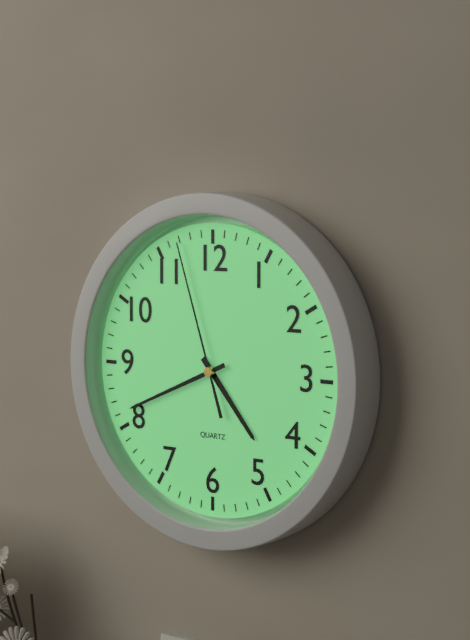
4:41:57
